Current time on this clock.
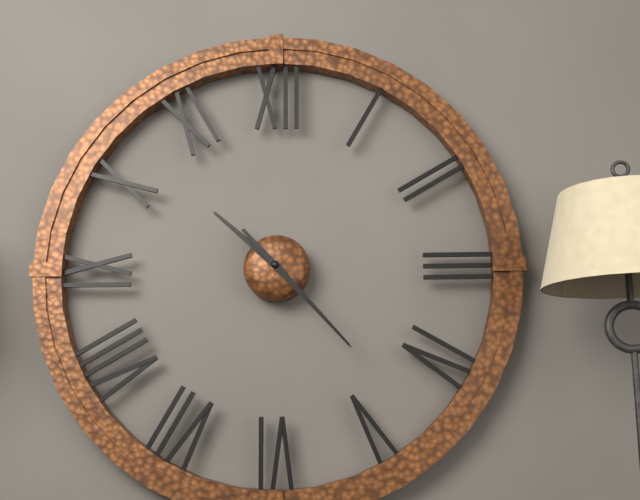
10:23
